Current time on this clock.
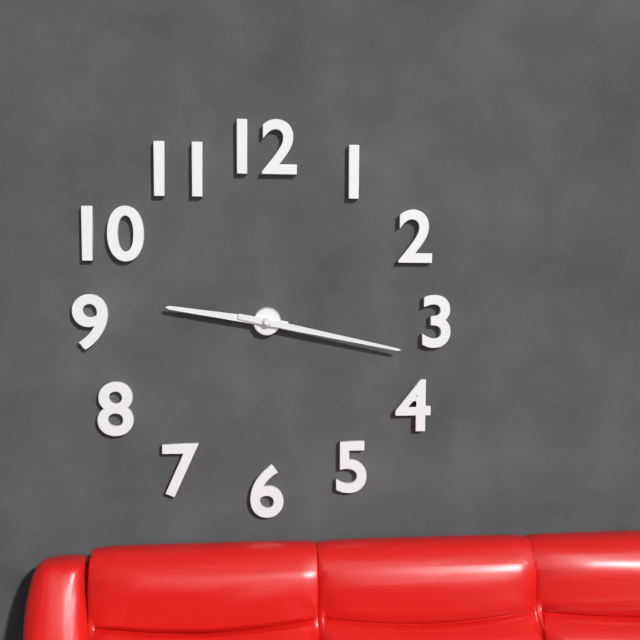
9:17
